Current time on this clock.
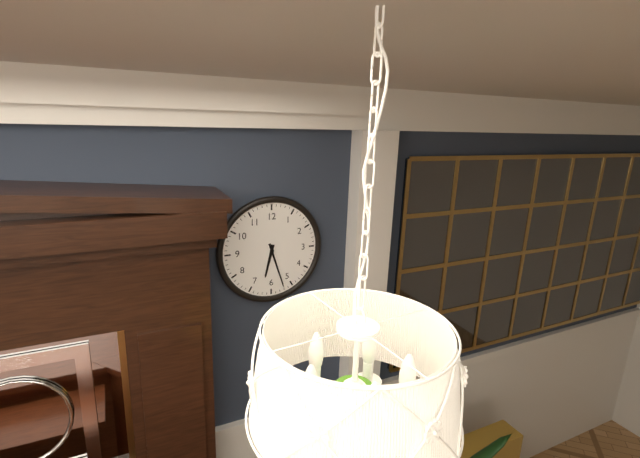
6:27
